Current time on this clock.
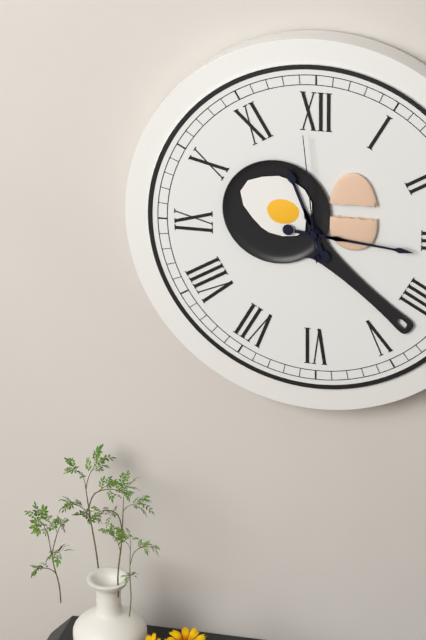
11:16:59
